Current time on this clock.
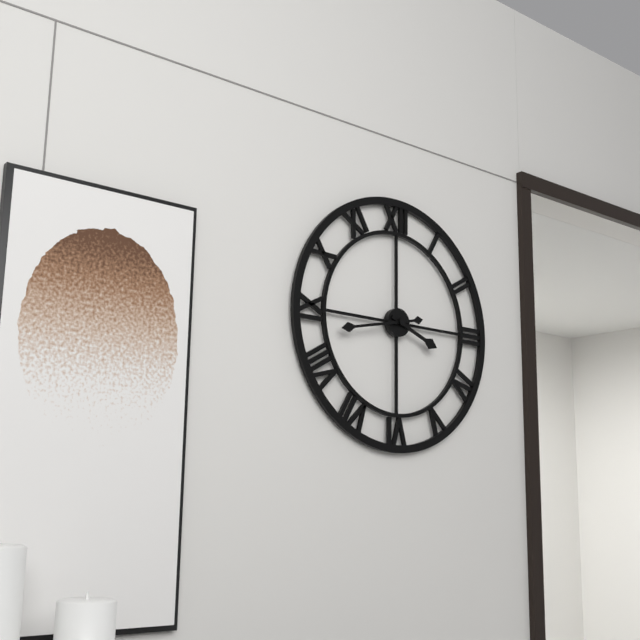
3:43
